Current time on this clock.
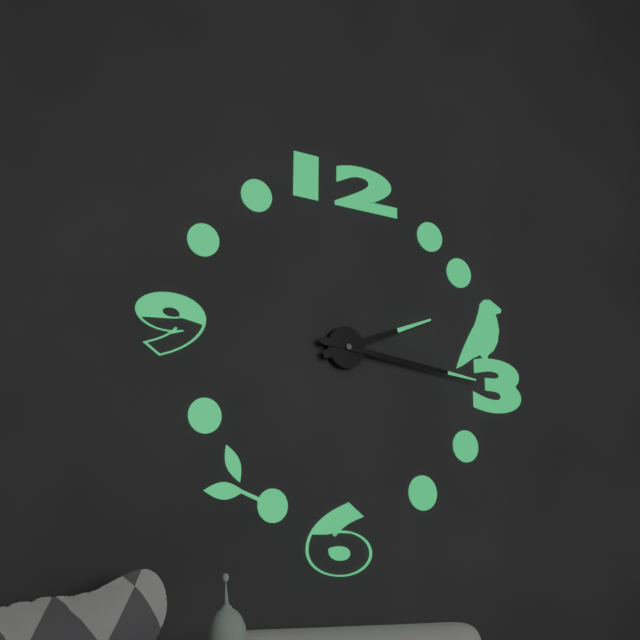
2:16
